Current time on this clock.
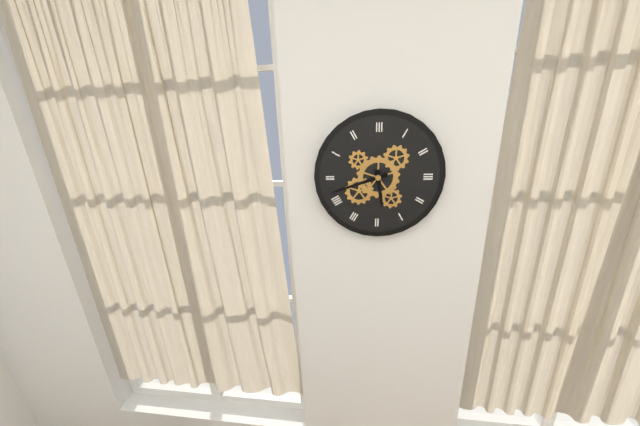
5:42
